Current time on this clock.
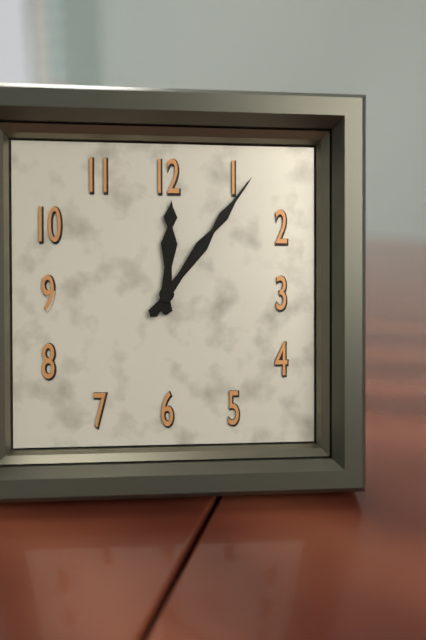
12:06
